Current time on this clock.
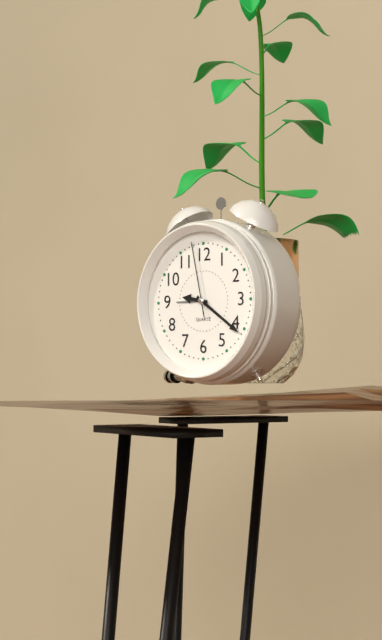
9:21:58
